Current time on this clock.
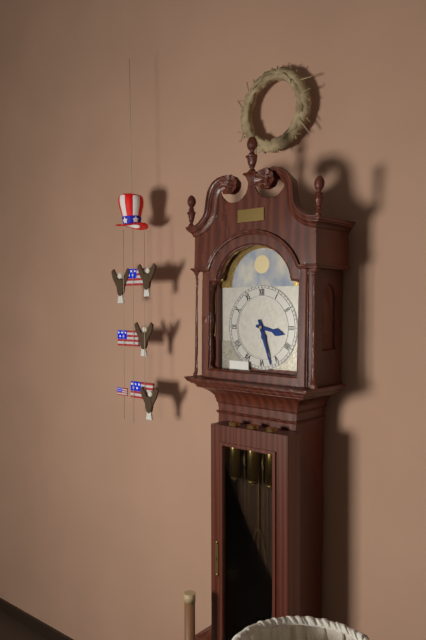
3:27
